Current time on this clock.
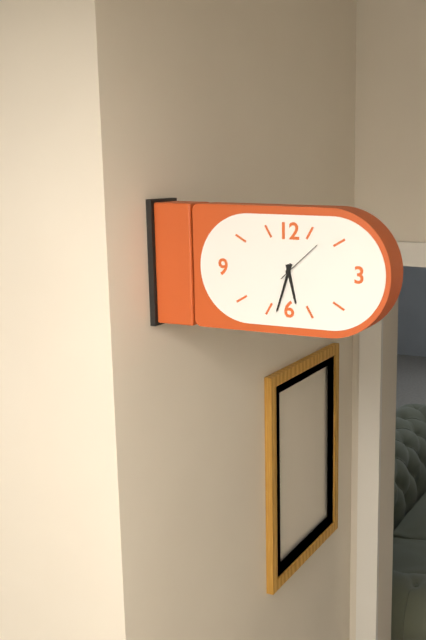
5:33
